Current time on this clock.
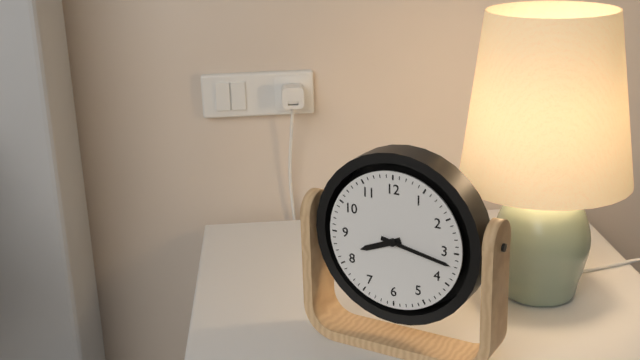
8:17
